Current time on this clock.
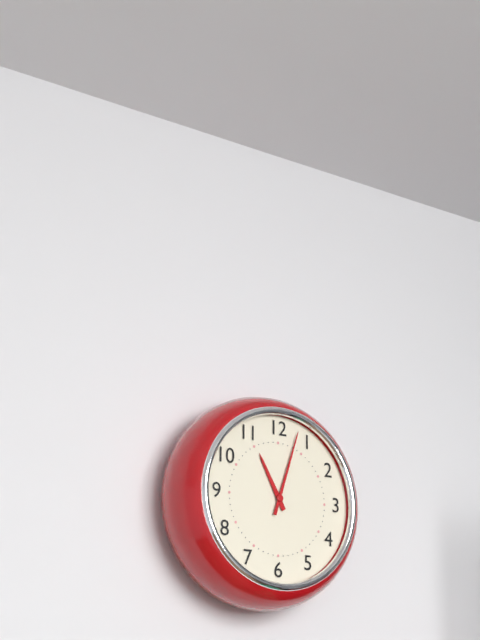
11:03
